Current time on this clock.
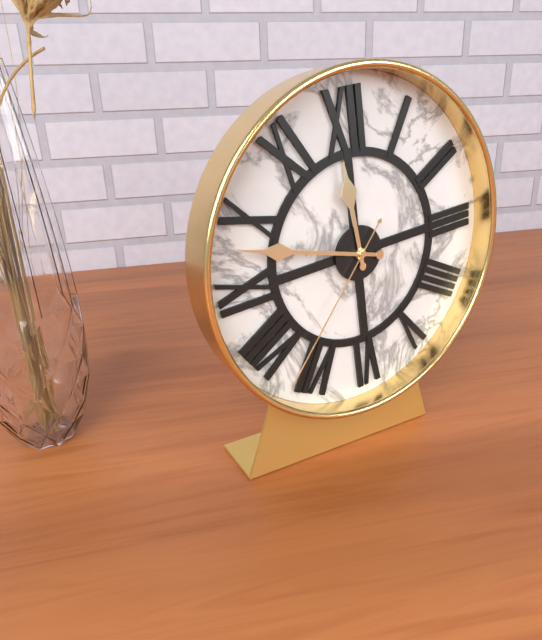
11:48:37
